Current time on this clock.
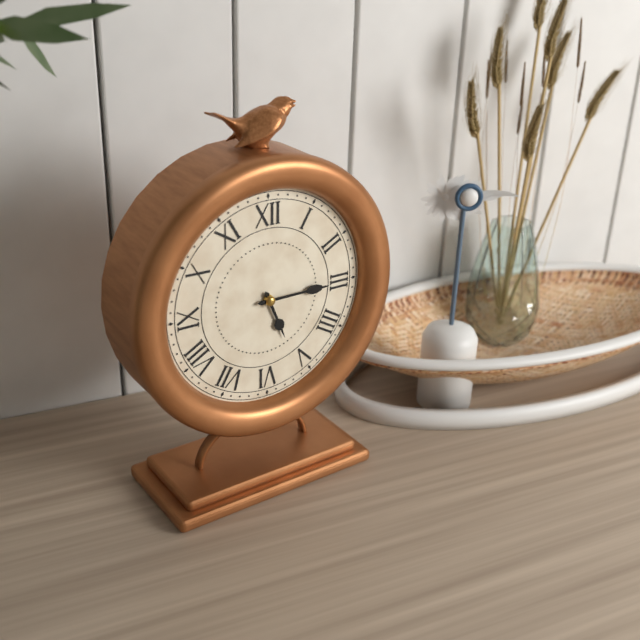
5:15
